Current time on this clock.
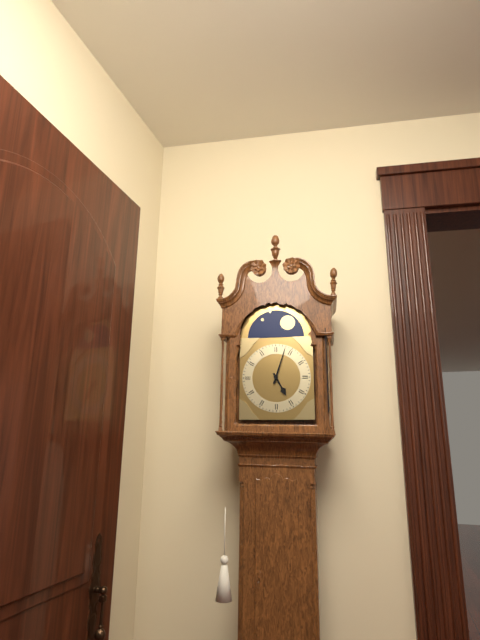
5:03
